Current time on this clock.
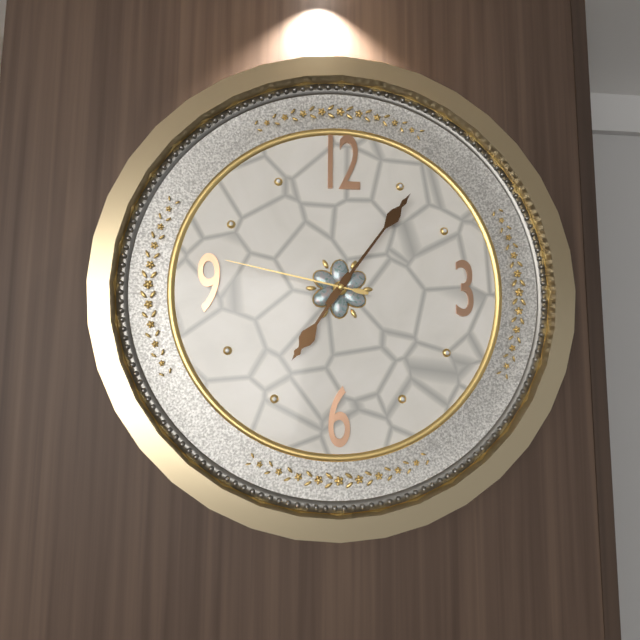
7:06:47
